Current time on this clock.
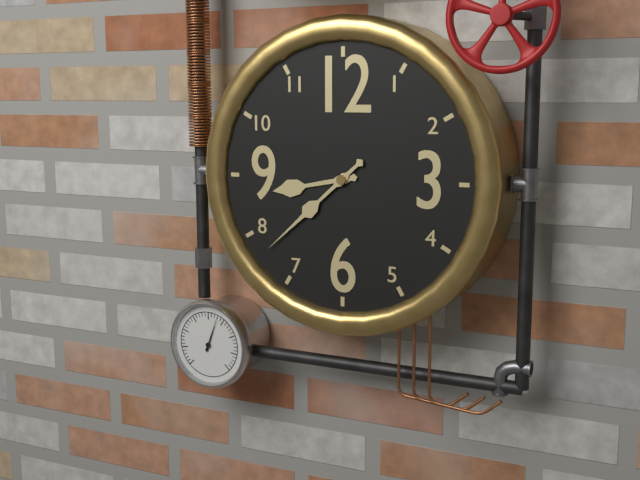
8:38
